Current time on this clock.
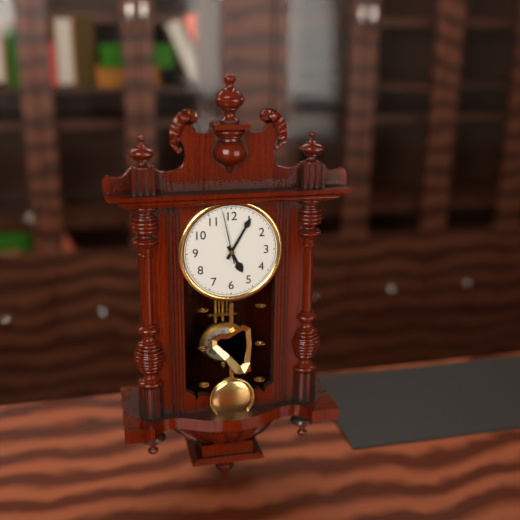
5:05:58
